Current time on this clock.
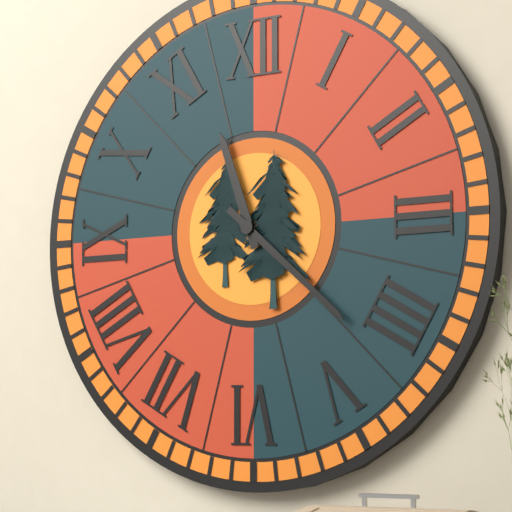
11:22
